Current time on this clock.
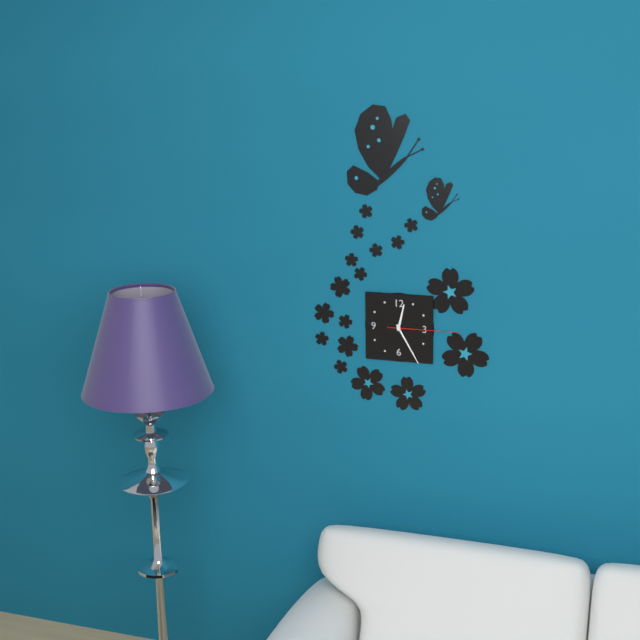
12:25:15
